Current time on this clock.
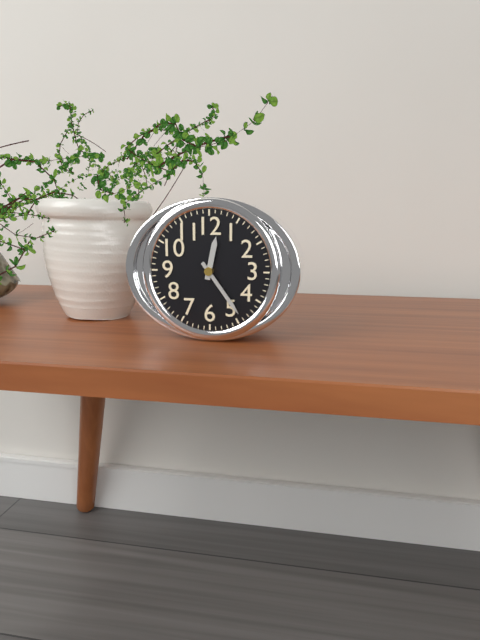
12:24
